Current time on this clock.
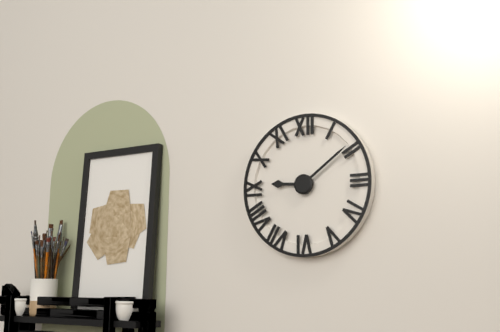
9:09
